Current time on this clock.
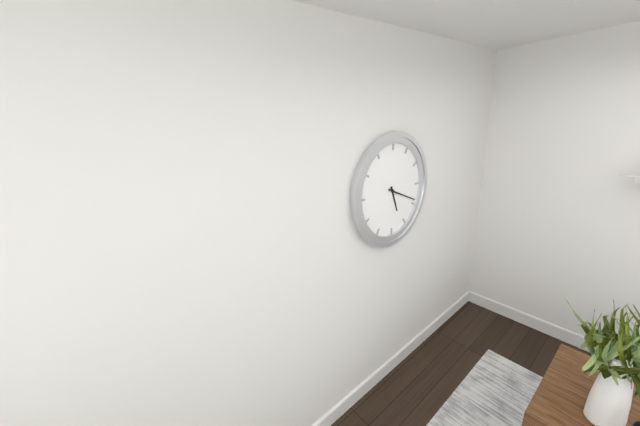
5:19
